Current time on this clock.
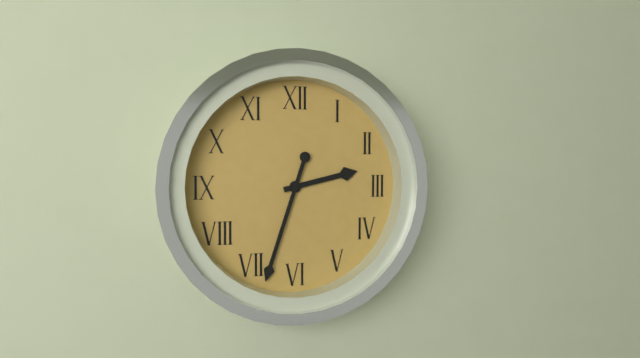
2:33
